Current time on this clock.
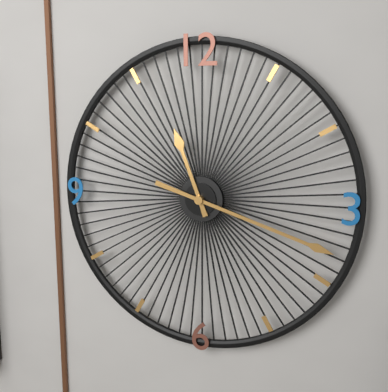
11:18
